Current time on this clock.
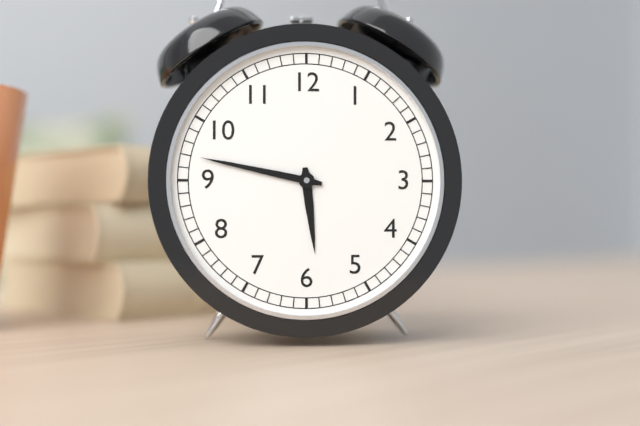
5:47
